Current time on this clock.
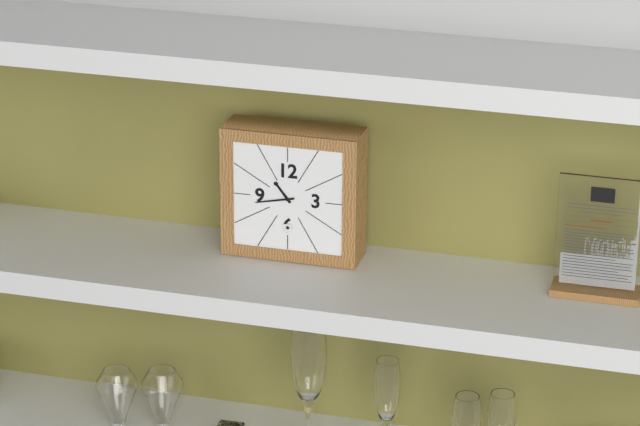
10:43
